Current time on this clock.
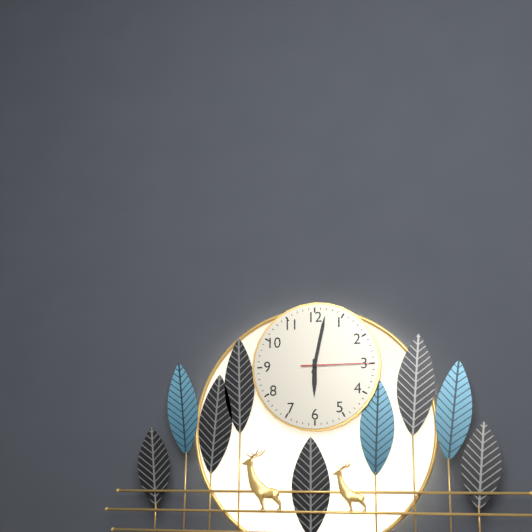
6:02:15
